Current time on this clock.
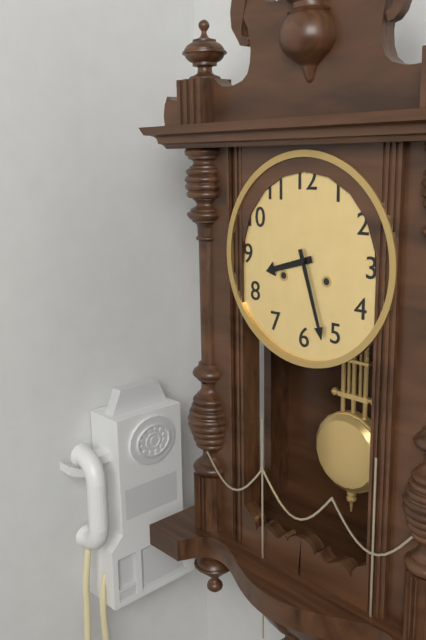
8:27
